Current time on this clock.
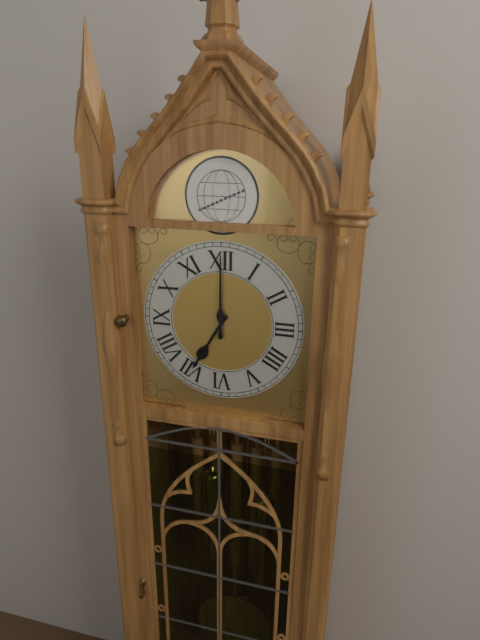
7:00
